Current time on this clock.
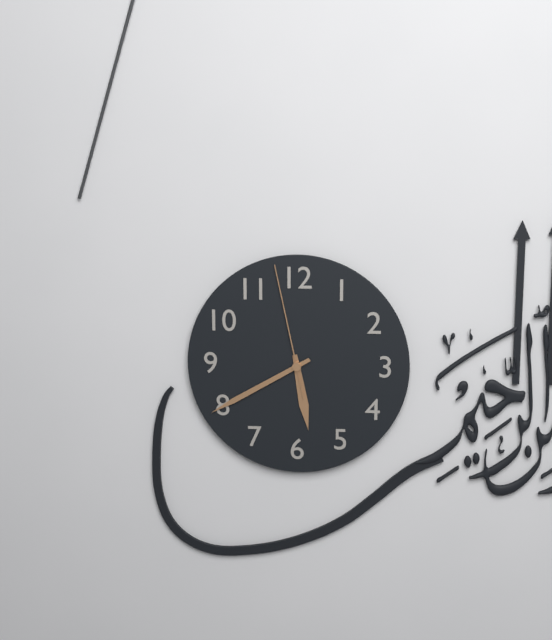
5:40:58
